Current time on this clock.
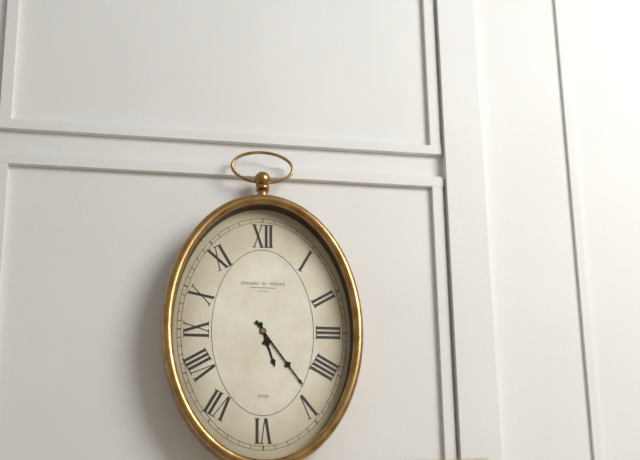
5:24
